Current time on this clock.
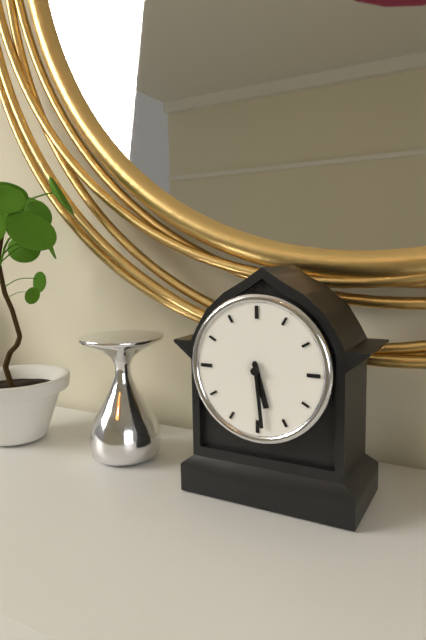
5:29
